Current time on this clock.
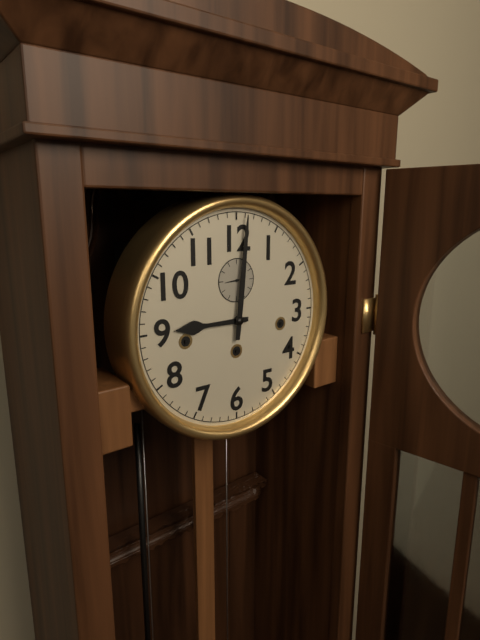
9:01
